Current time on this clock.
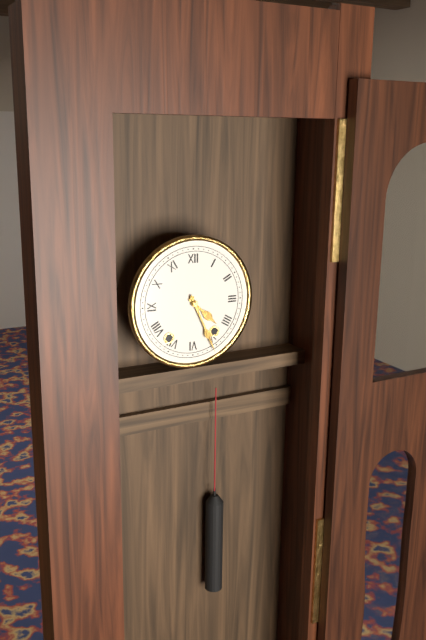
4:26
